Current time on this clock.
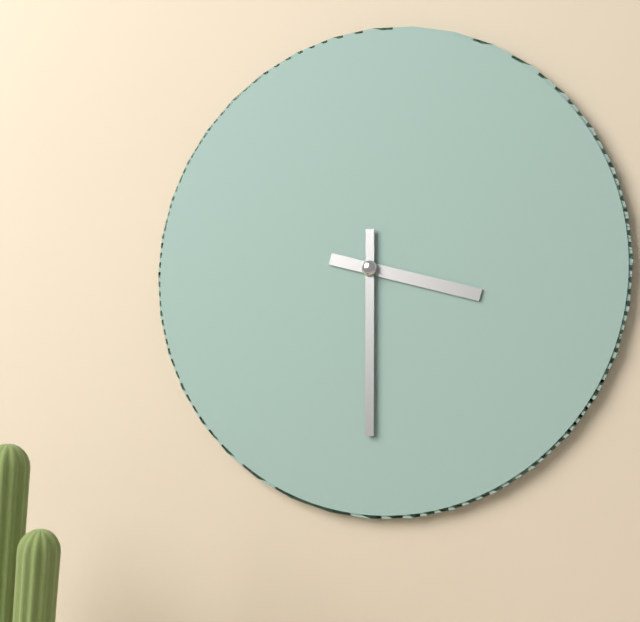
3:30
